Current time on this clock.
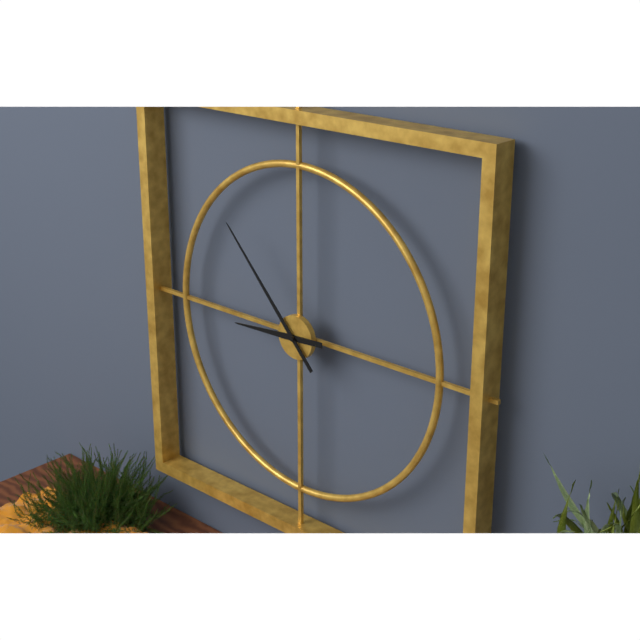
8:53
